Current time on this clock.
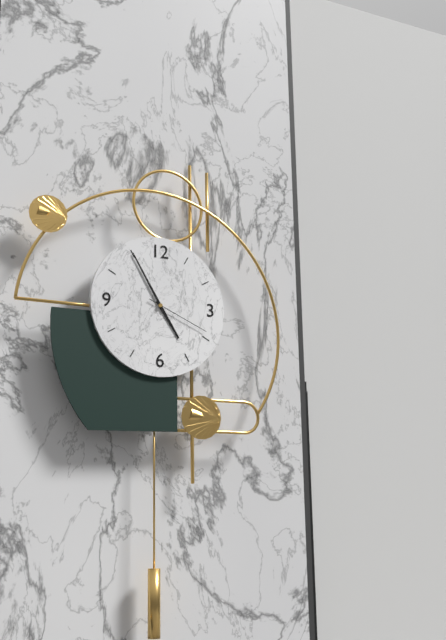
4:55:19
